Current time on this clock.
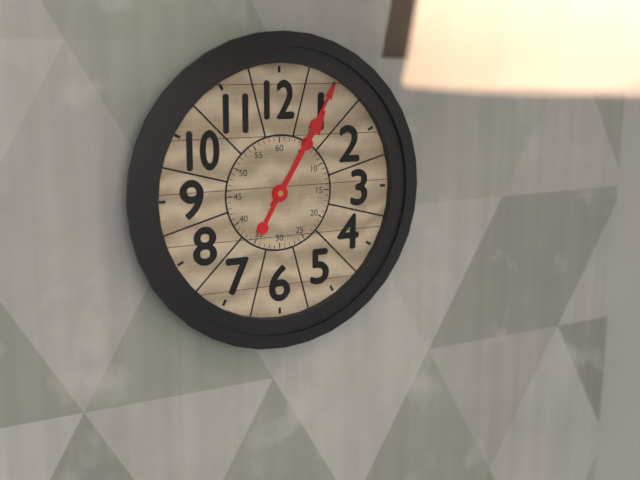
1:05
